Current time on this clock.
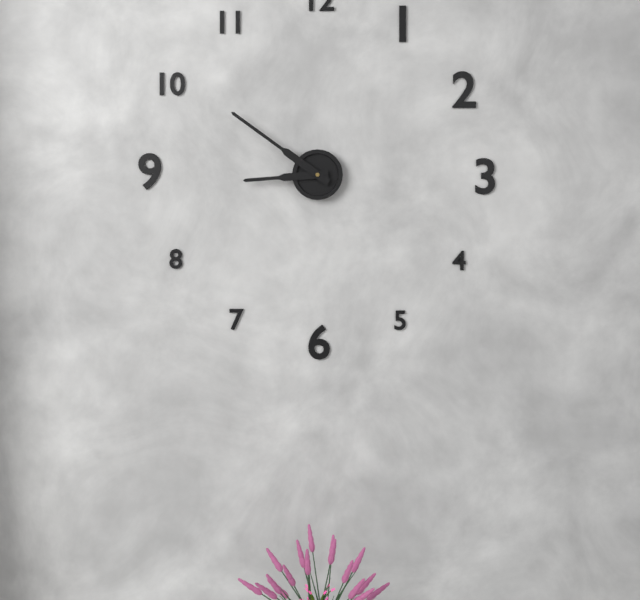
8:51
